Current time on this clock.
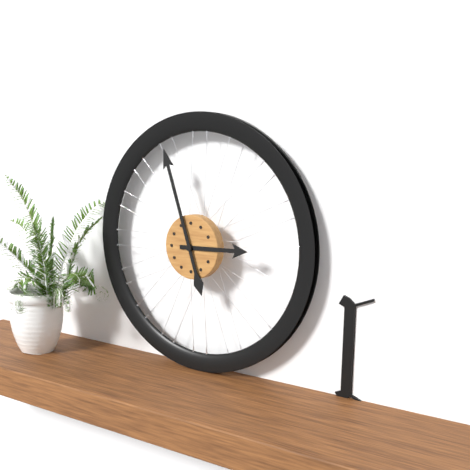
2:57
